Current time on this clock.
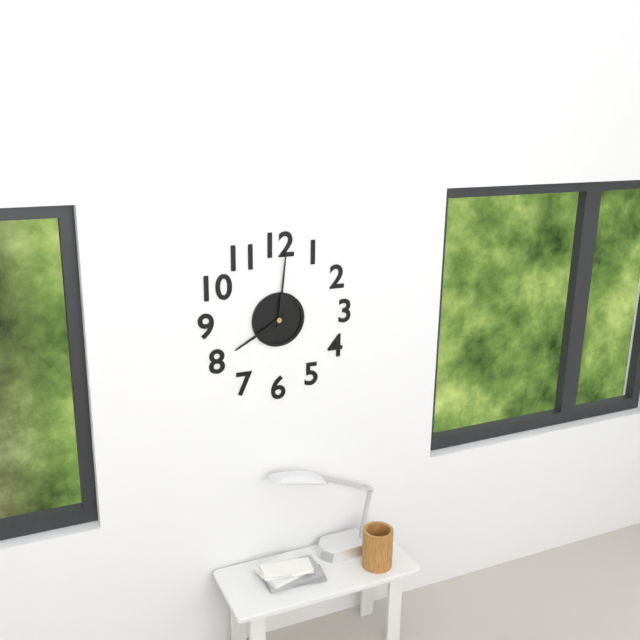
8:01
